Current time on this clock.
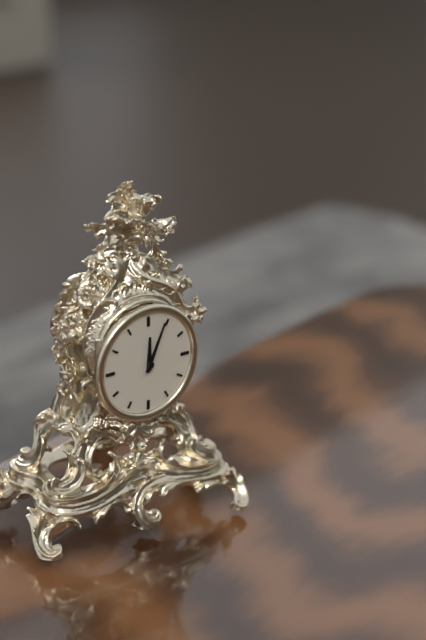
12:04
